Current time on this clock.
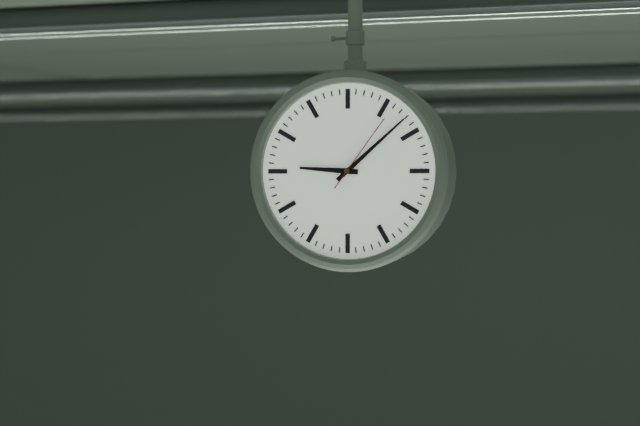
9:08:06
